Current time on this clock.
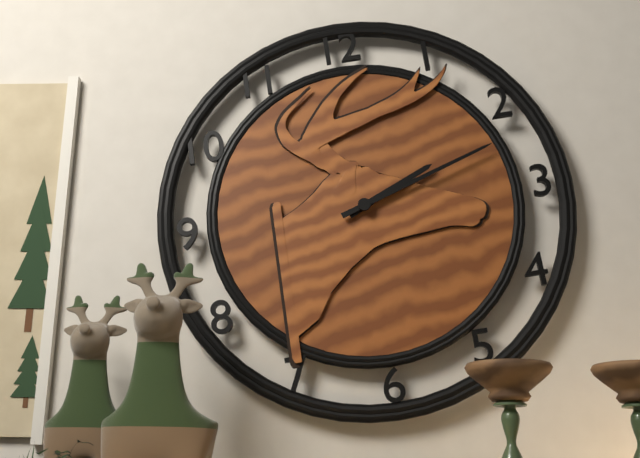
2:12
